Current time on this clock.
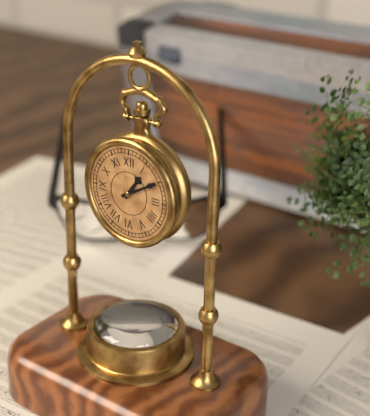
1:10
